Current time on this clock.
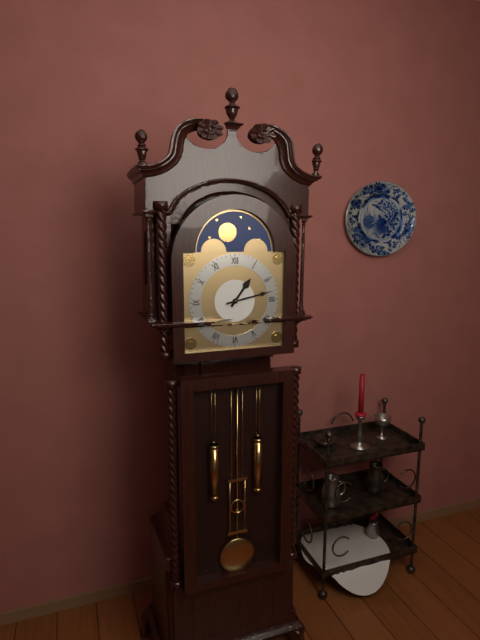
1:13
